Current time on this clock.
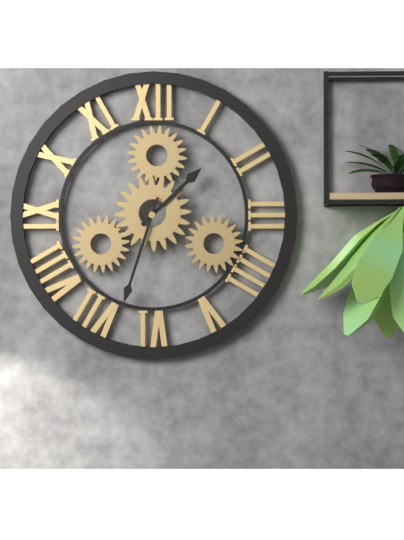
1:33
